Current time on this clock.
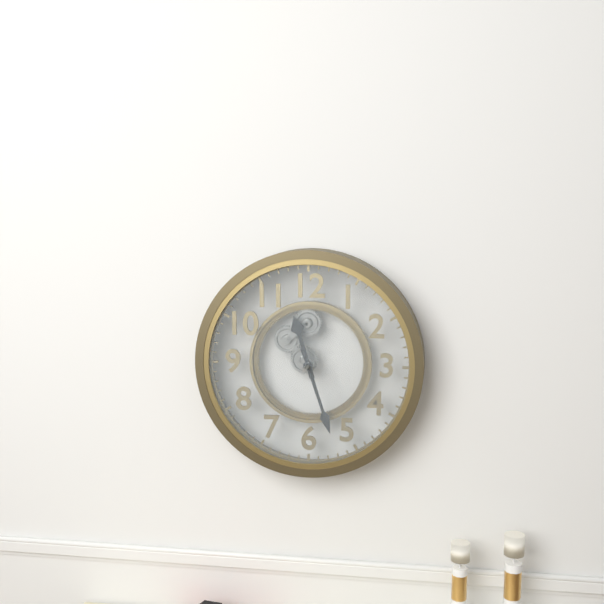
11:27
